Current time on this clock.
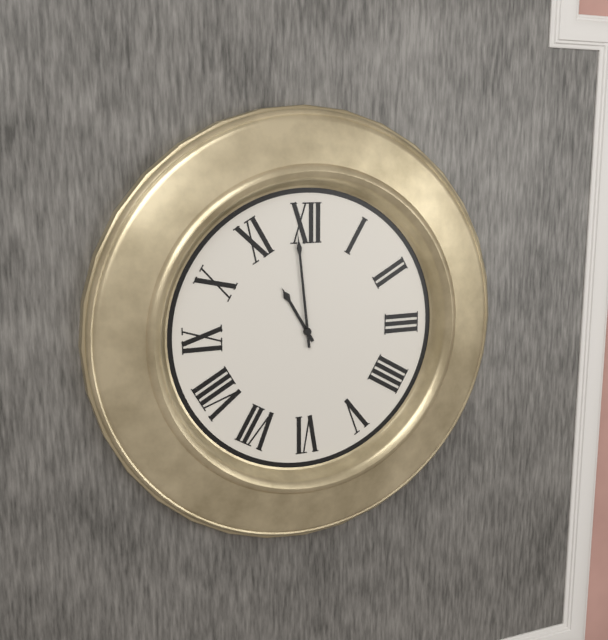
10:59
